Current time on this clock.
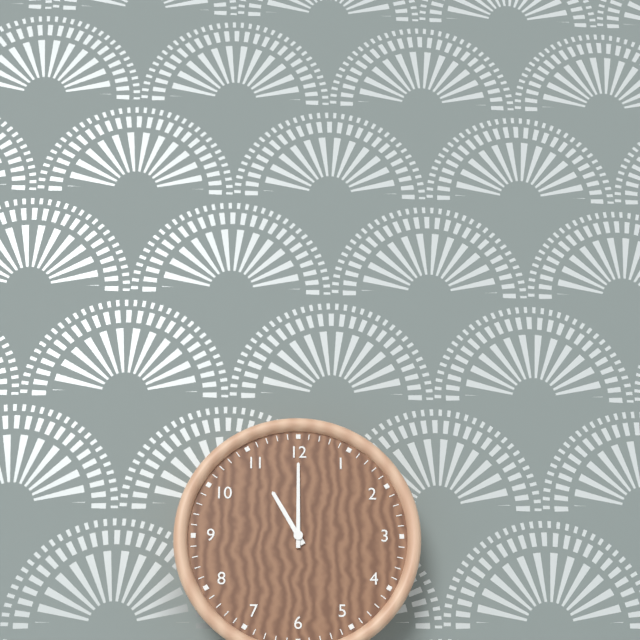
11:00
